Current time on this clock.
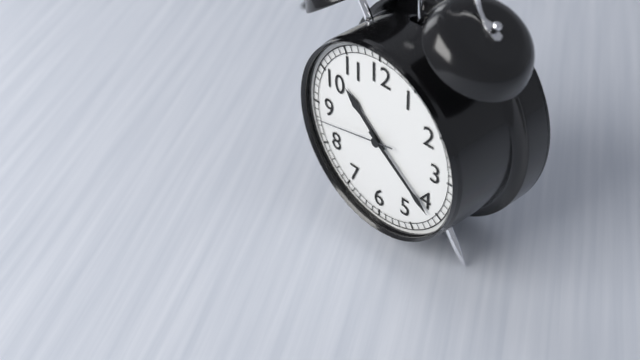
10:21:43
